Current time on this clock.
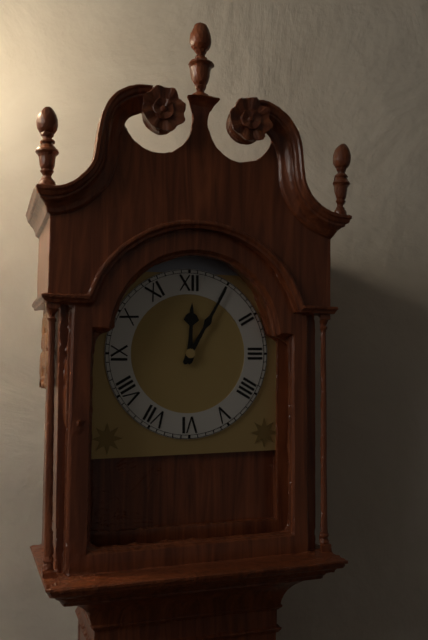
12:05
